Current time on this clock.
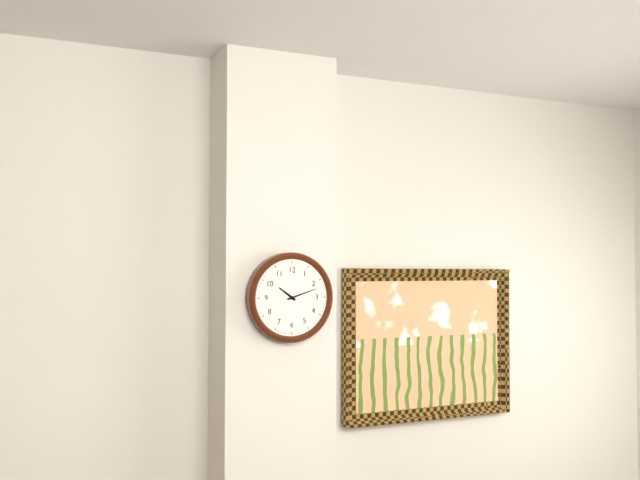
10:12
